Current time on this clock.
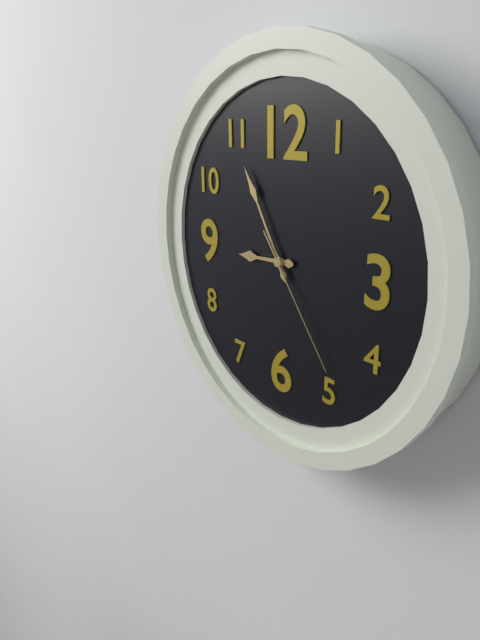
8:55:24
